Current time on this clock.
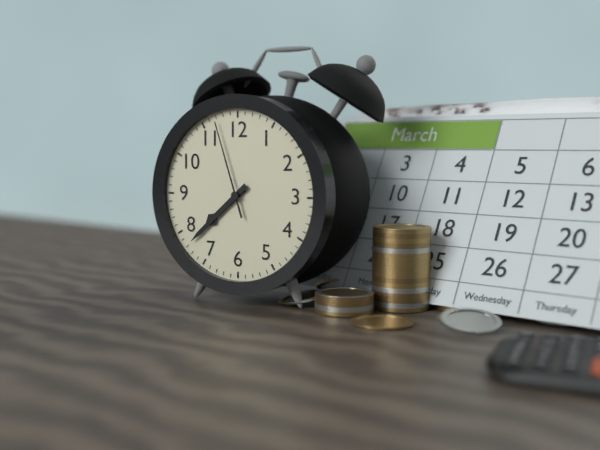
7:38:57
